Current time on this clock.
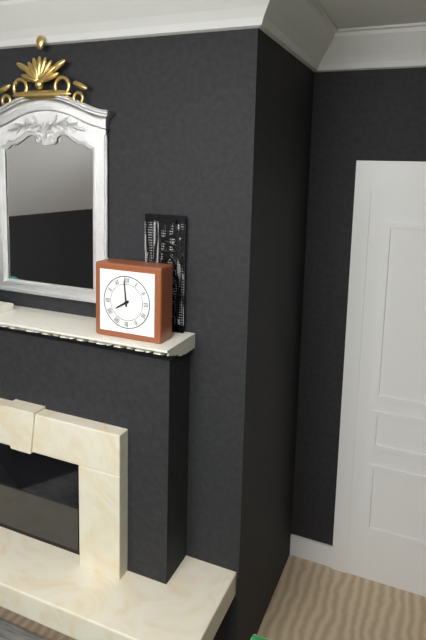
7:59
